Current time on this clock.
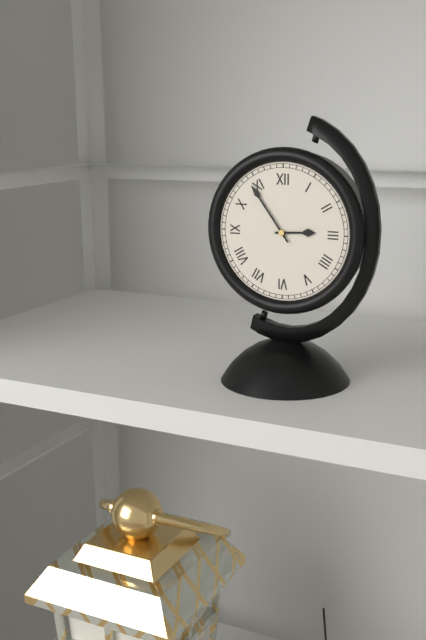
2:54
